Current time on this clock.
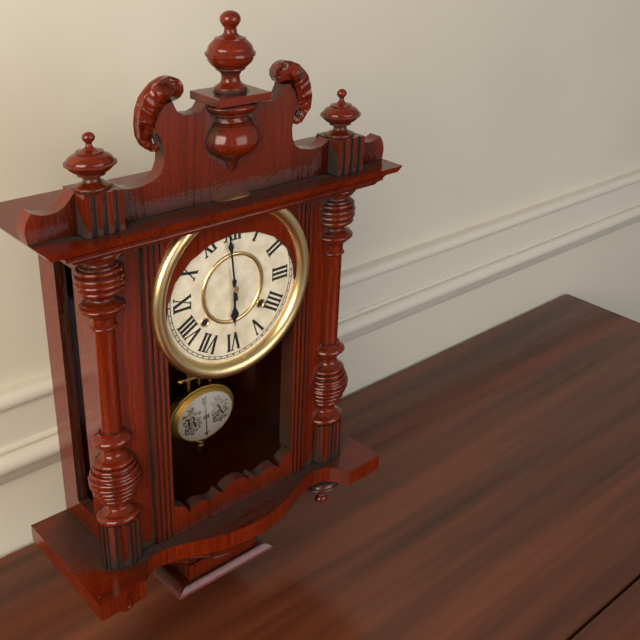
5:59
